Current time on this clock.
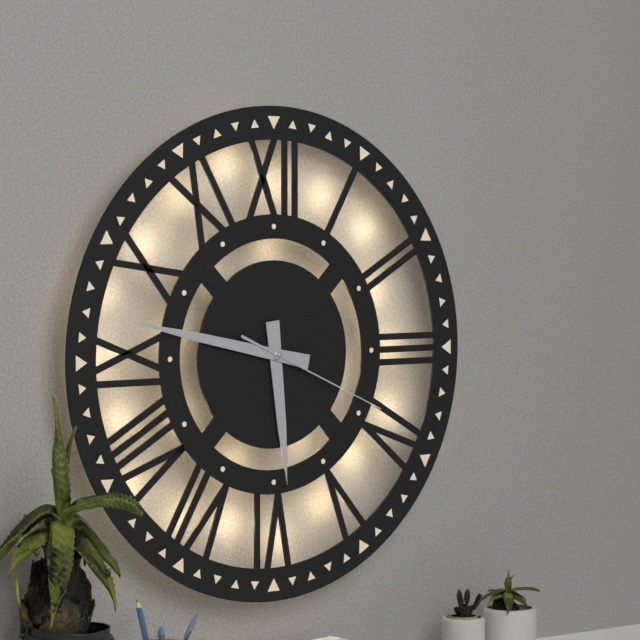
5:47:19
